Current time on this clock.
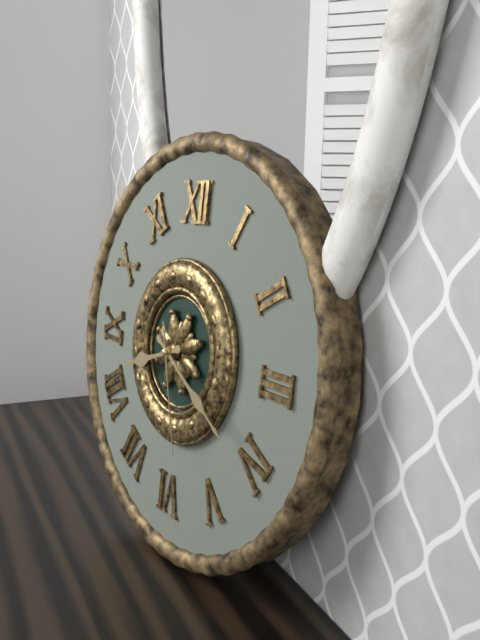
8:20:27
